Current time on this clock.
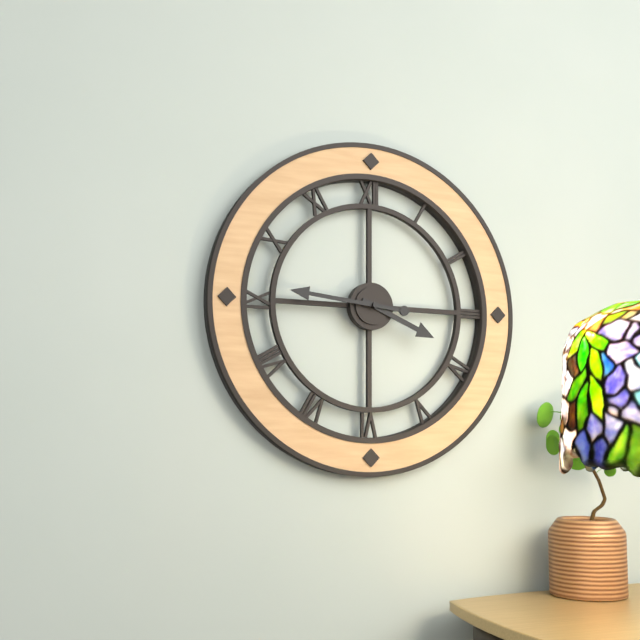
3:46
